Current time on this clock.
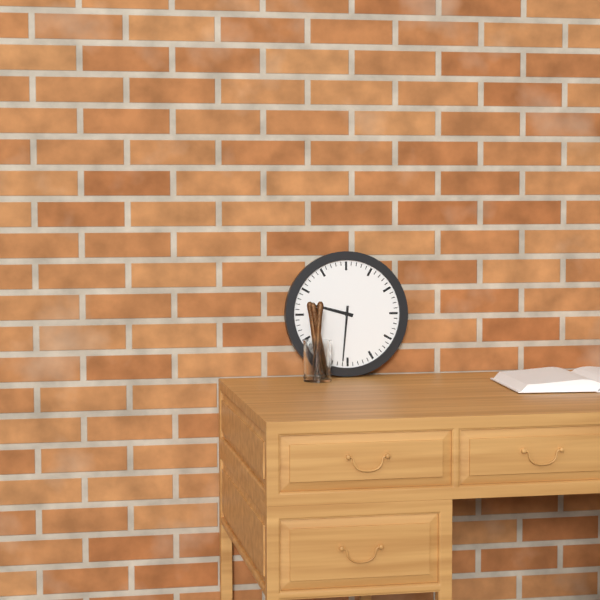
9:31
